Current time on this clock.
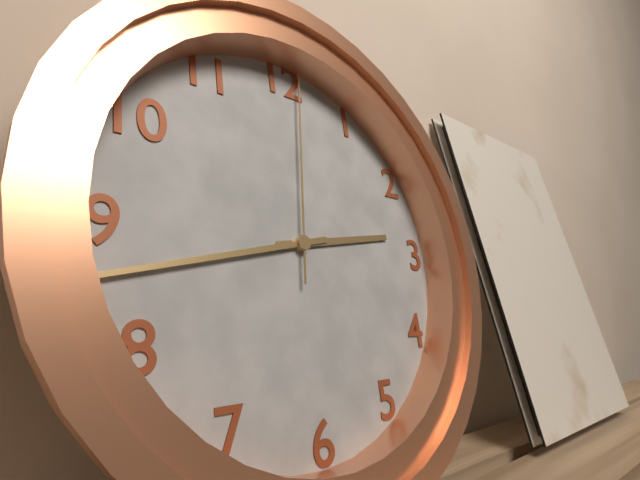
2:43:01
